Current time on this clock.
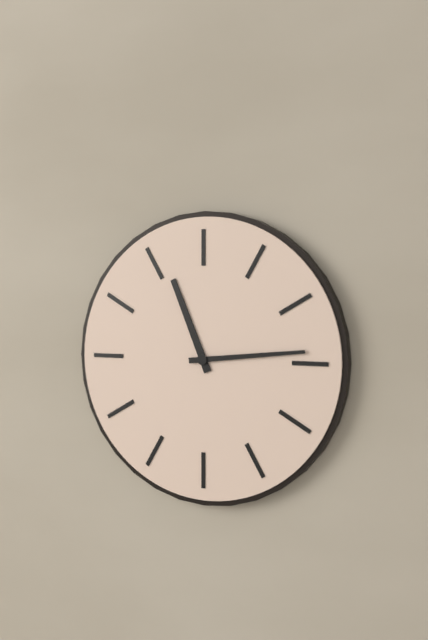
11:14
